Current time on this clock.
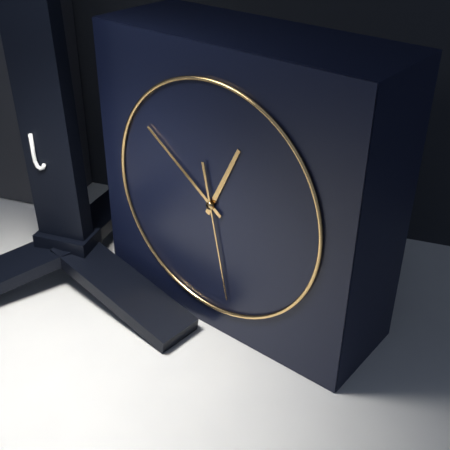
12:51:28
